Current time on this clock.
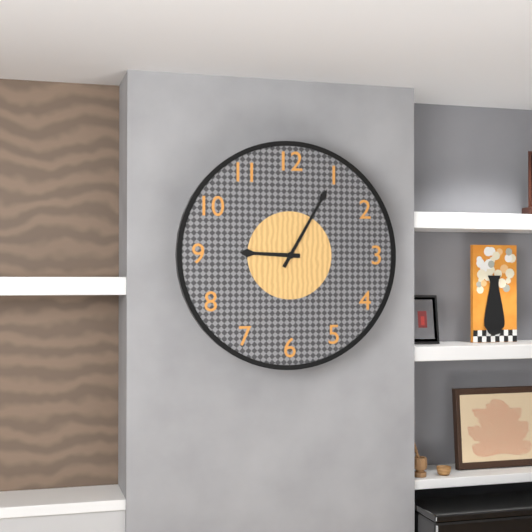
9:05
